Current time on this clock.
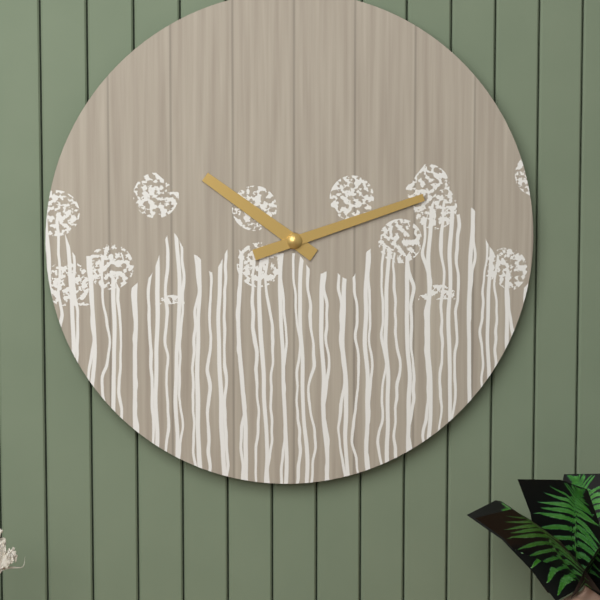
10:12
